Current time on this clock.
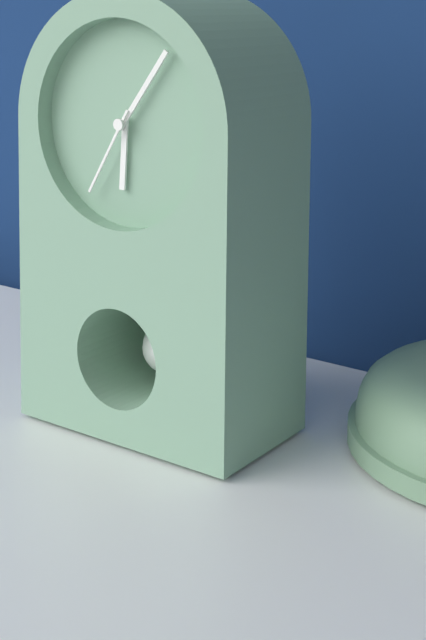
6:06:35
